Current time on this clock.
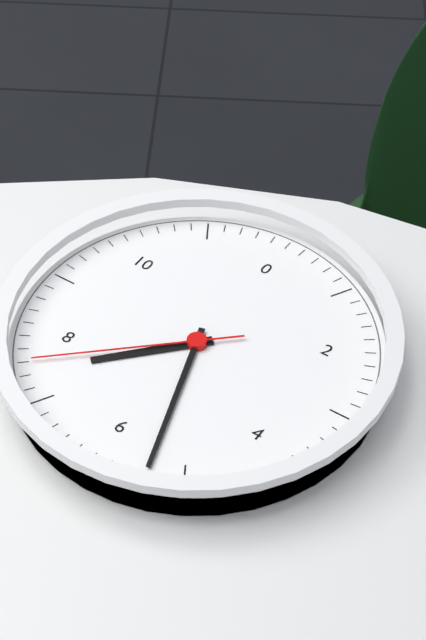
7:27:38
